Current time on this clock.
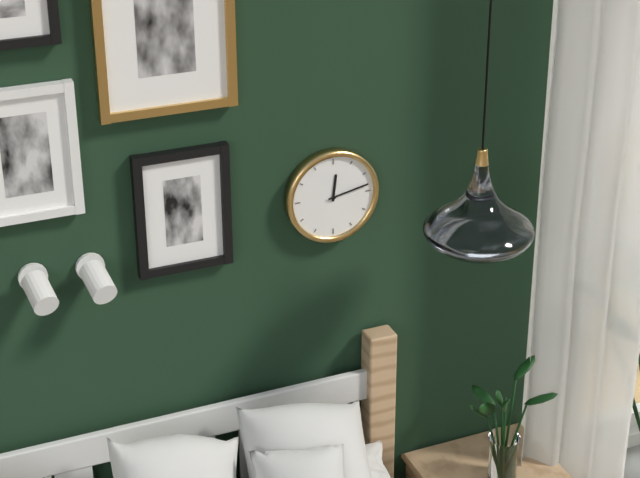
12:13
